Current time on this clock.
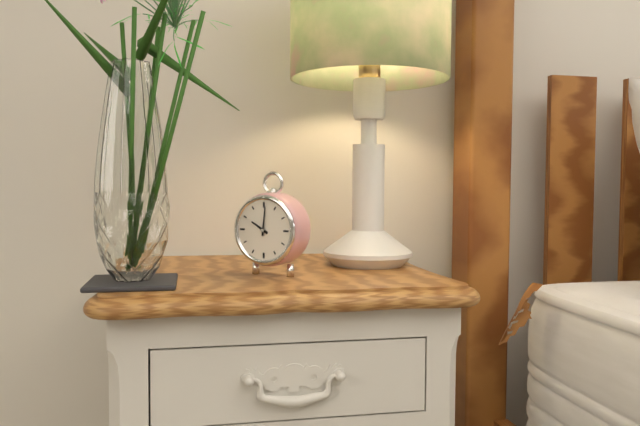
10:01
